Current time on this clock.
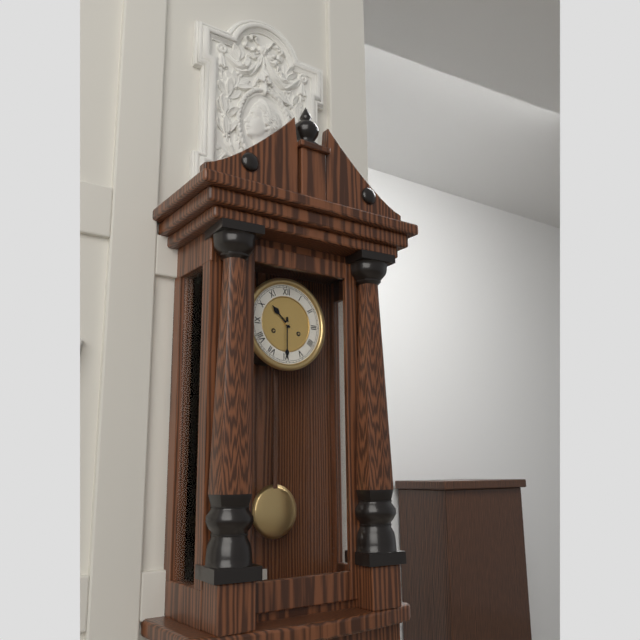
10:30
